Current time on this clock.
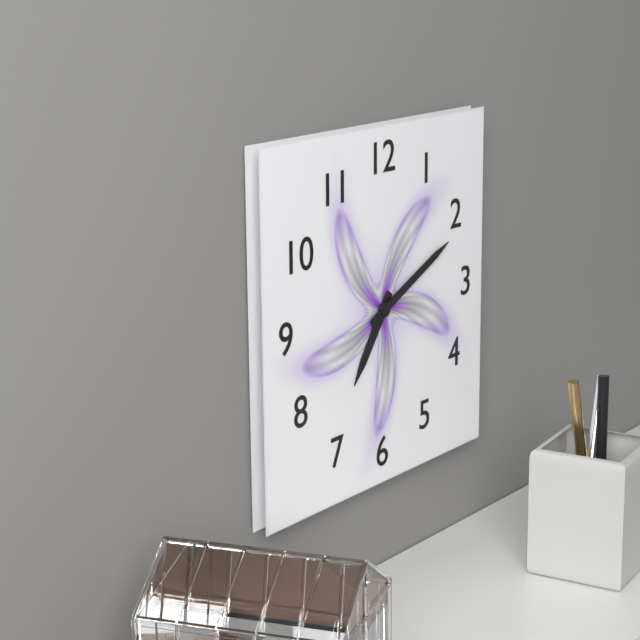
7:11
